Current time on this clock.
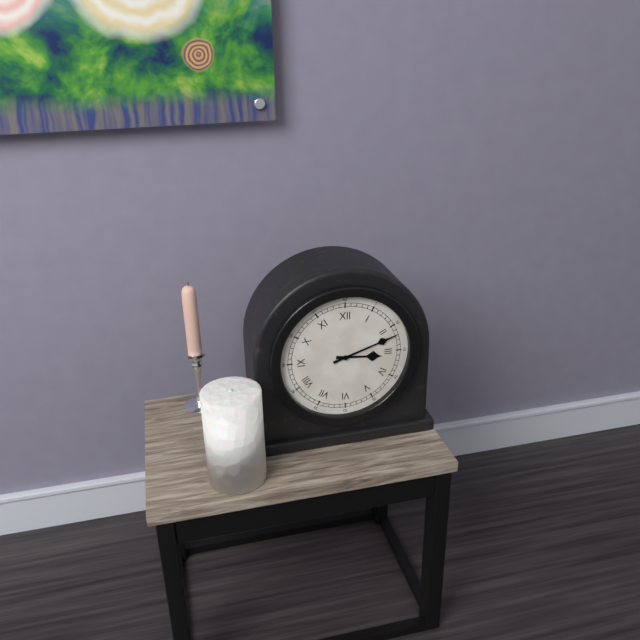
3:12
